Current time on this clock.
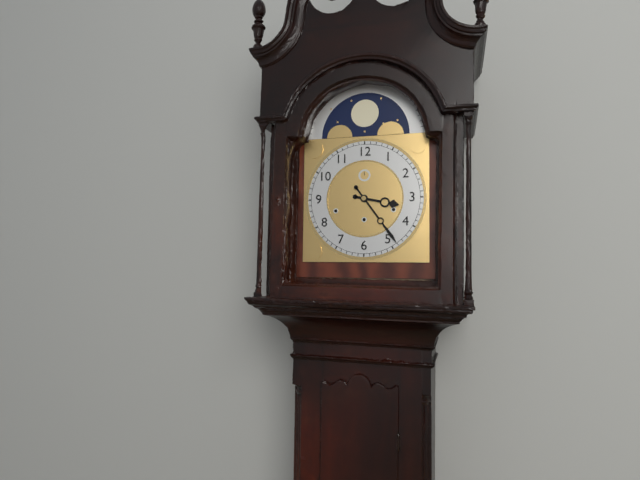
3:24
